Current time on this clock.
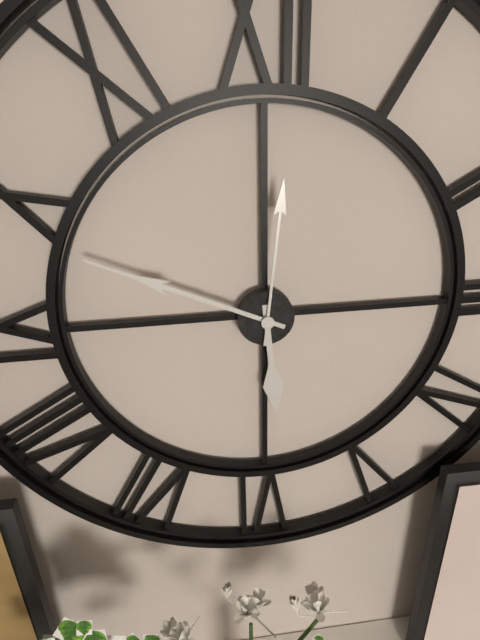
5:49:01
